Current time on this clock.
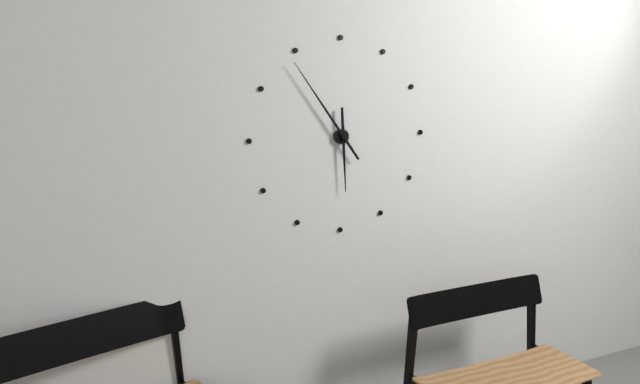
5:54
